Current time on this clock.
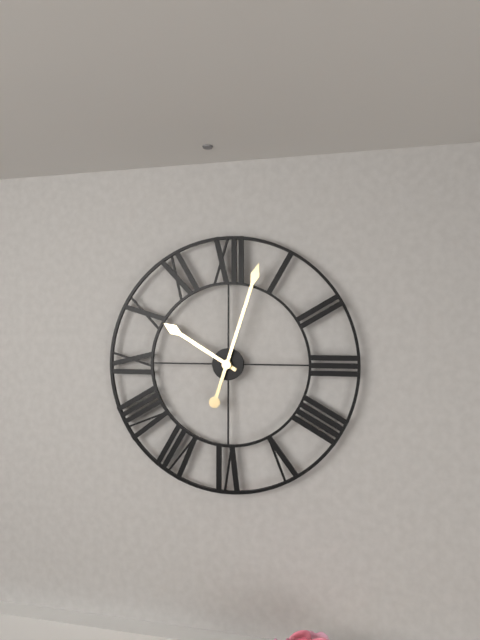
10:03
